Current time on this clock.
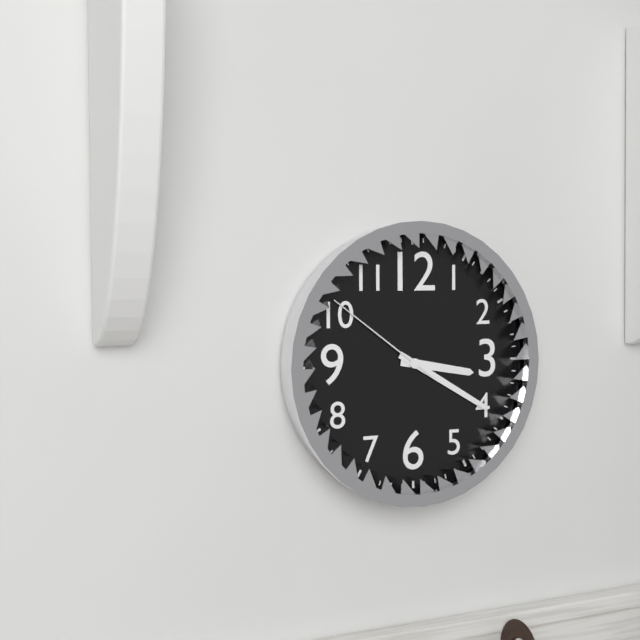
3:20:51
